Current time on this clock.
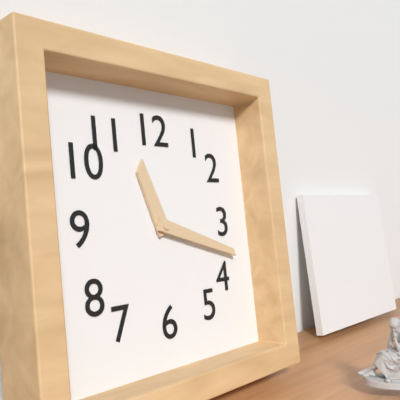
11:18
